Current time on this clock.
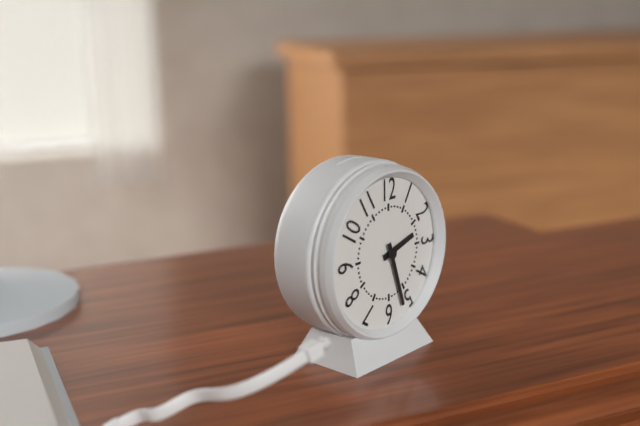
2:27
